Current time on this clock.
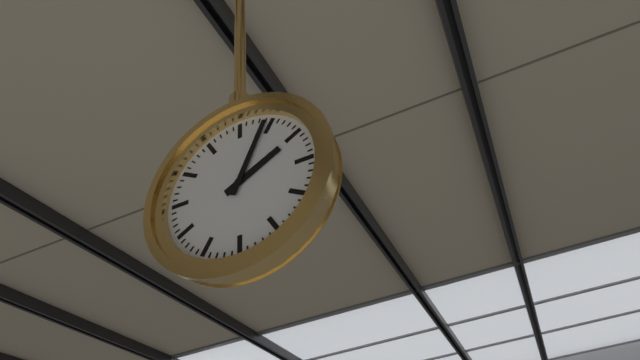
2:04
